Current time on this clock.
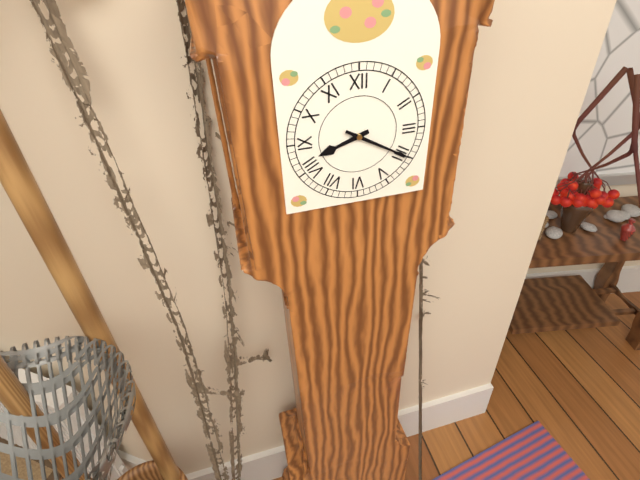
8:20
